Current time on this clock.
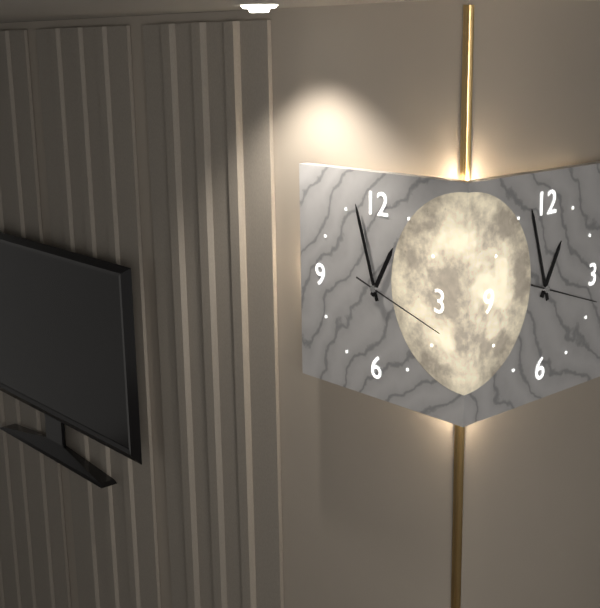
12:57:18
